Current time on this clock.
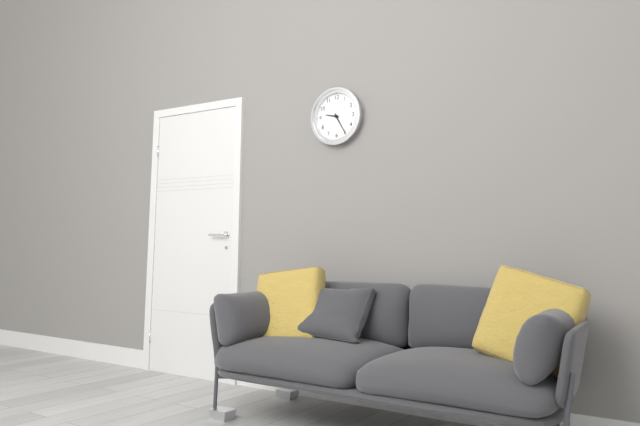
9:25
